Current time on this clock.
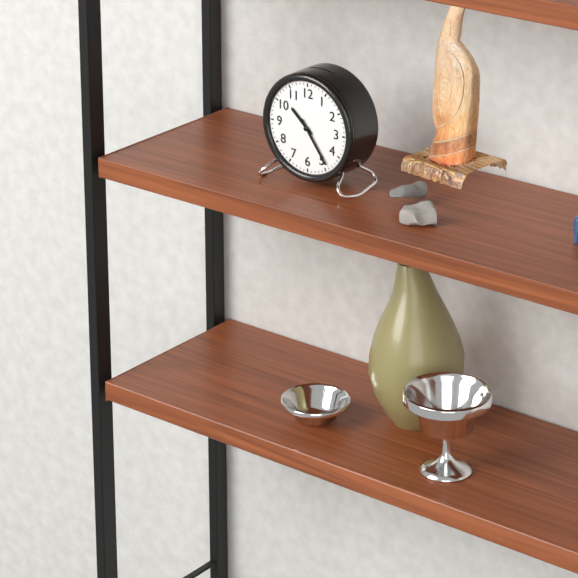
10:24
